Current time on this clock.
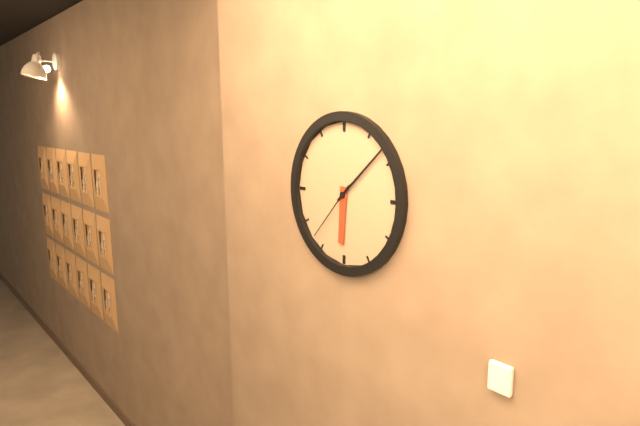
6:08:37
